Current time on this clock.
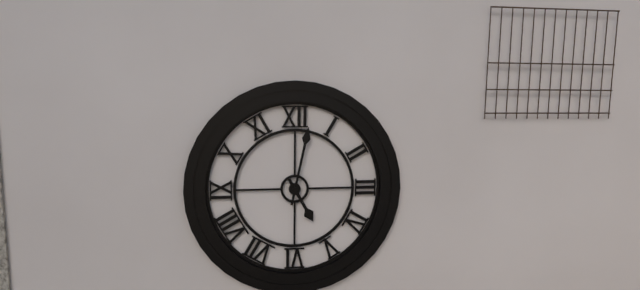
5:02
